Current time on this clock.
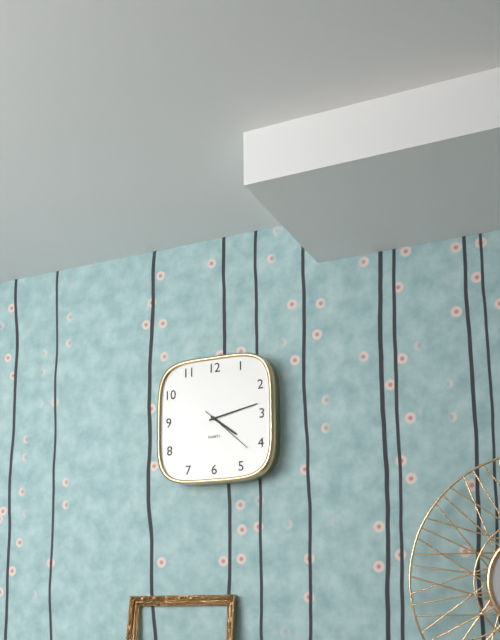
4:13
